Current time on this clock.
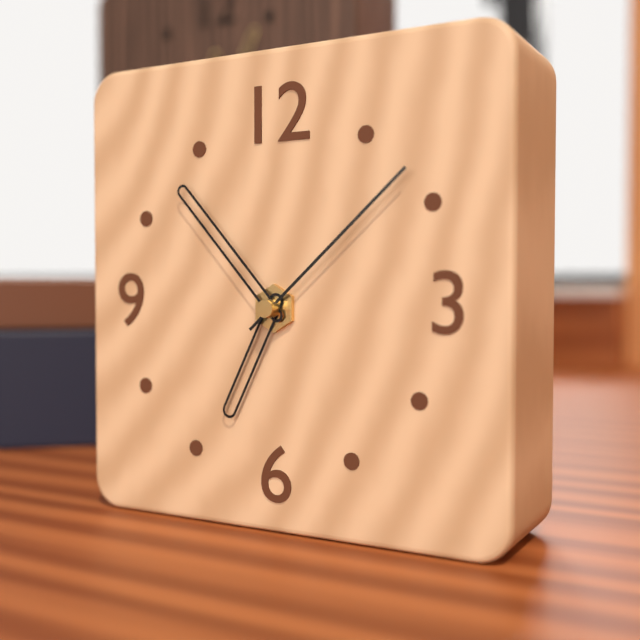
6:53:08
